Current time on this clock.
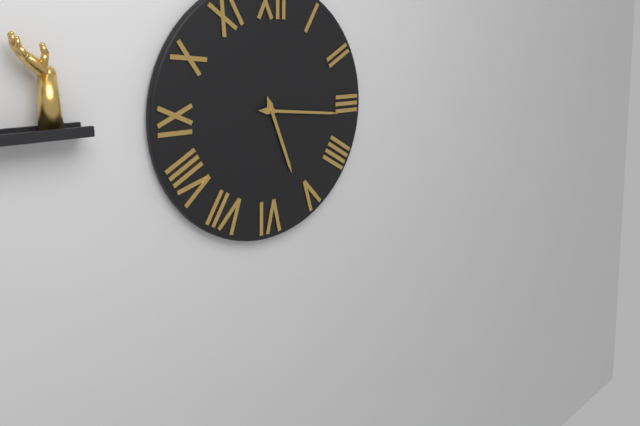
5:16
